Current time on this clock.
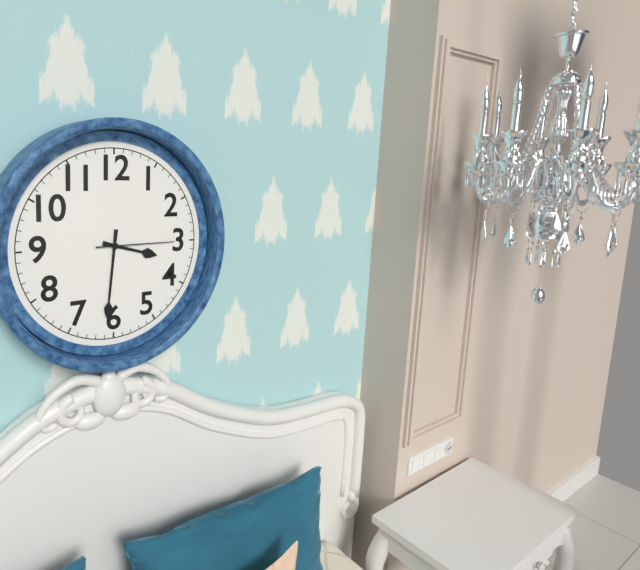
3:31:15
